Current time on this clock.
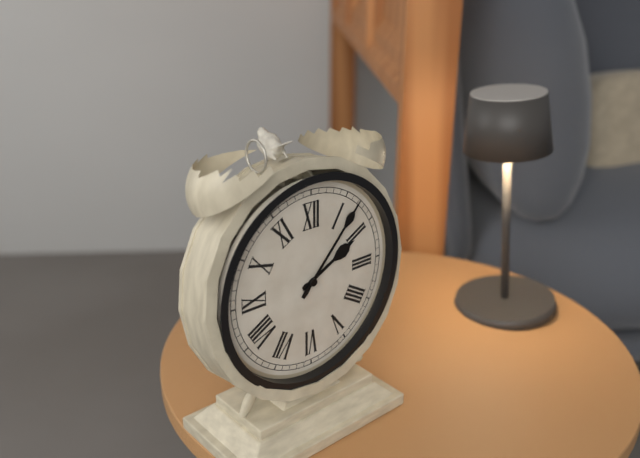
2:07
